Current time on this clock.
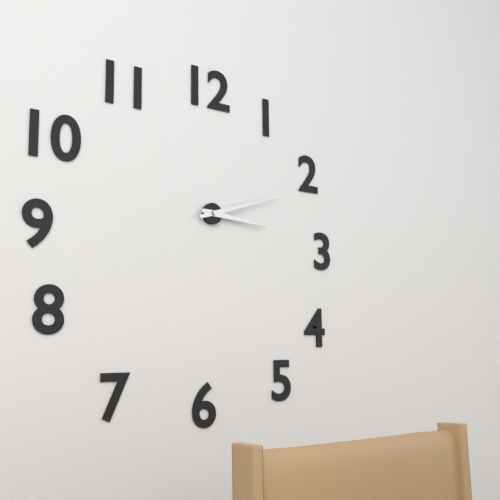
3:12
